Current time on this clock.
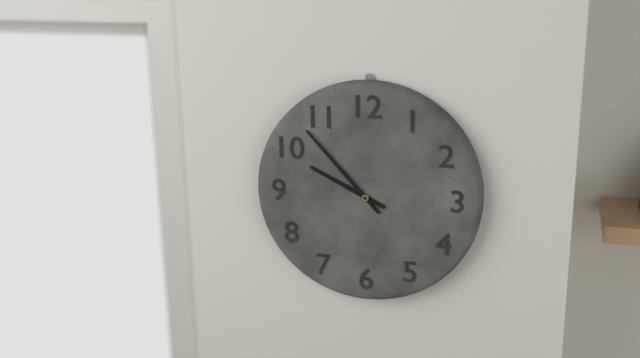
9:53
